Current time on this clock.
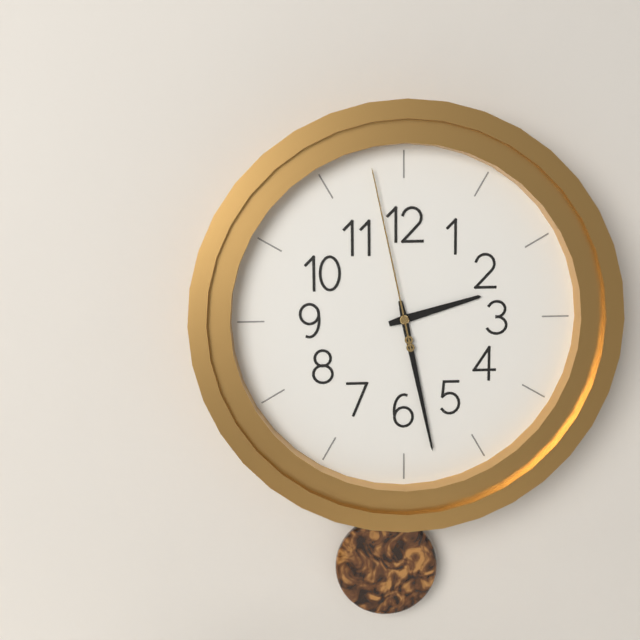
2:28:58
